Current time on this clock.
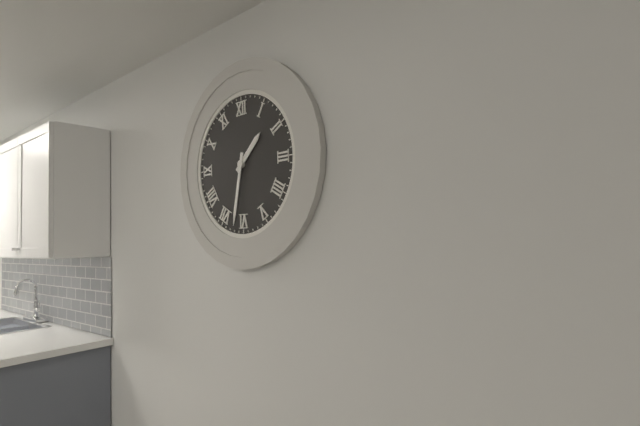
1:32
